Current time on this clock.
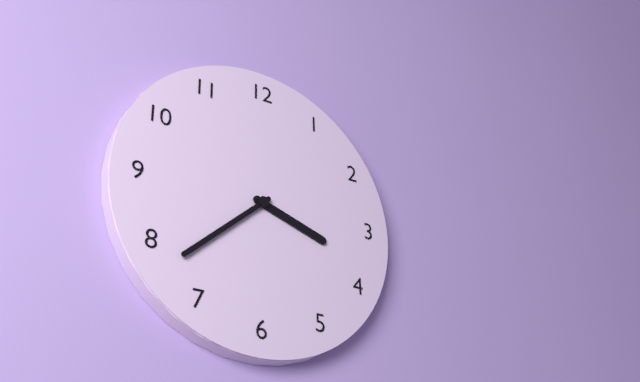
3:38
